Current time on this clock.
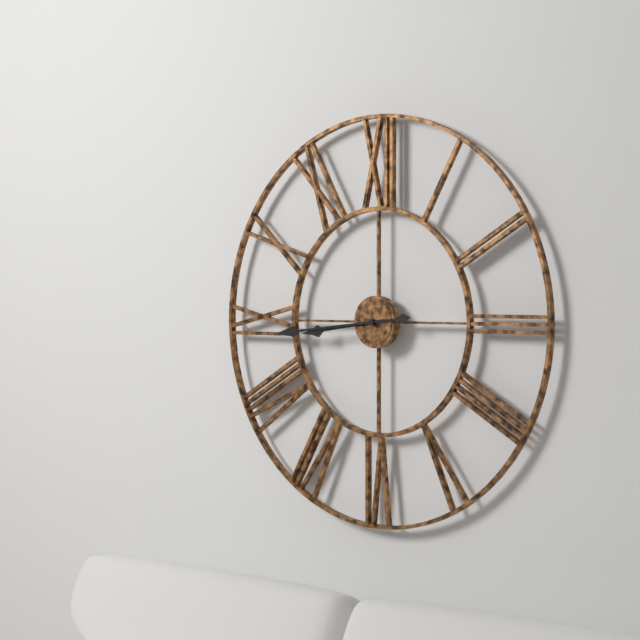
8:44
